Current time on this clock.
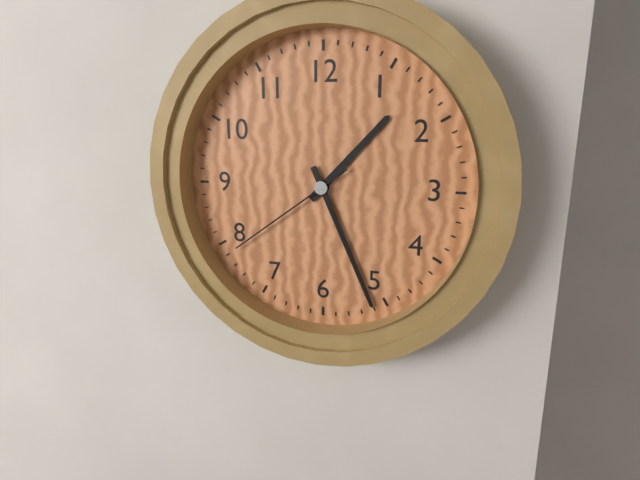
1:26:39
